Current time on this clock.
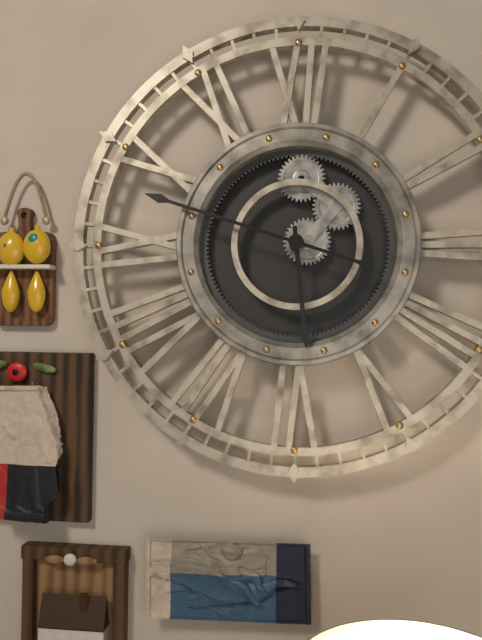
5:48
